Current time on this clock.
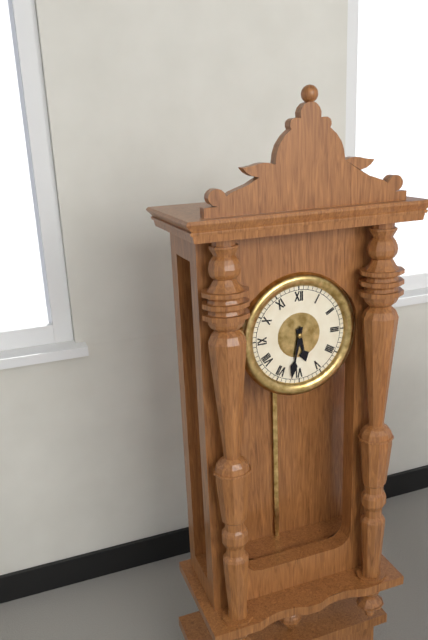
5:32
